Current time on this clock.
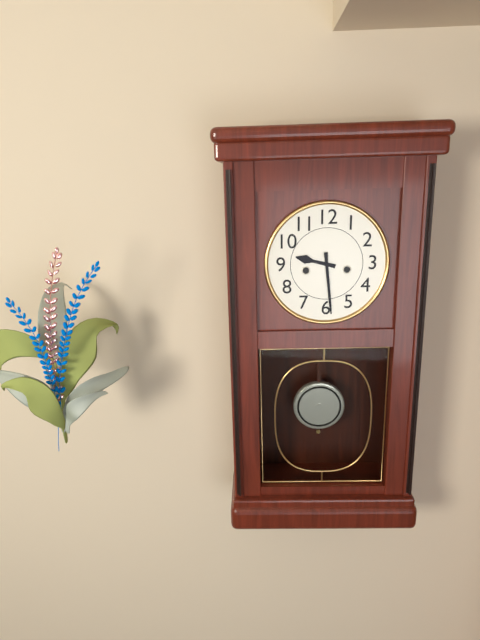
9:29
